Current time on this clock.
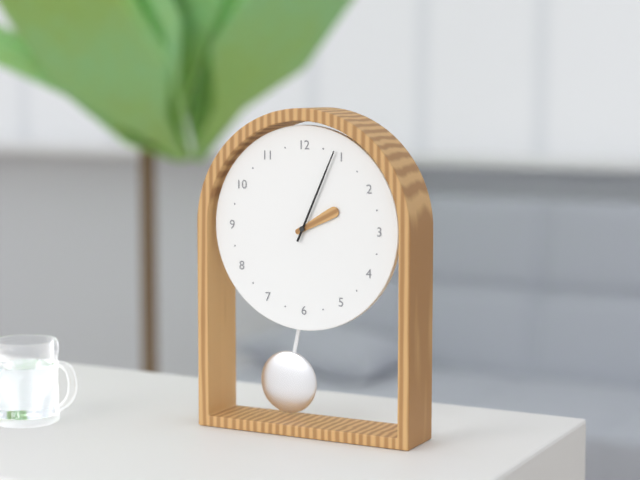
2:04
